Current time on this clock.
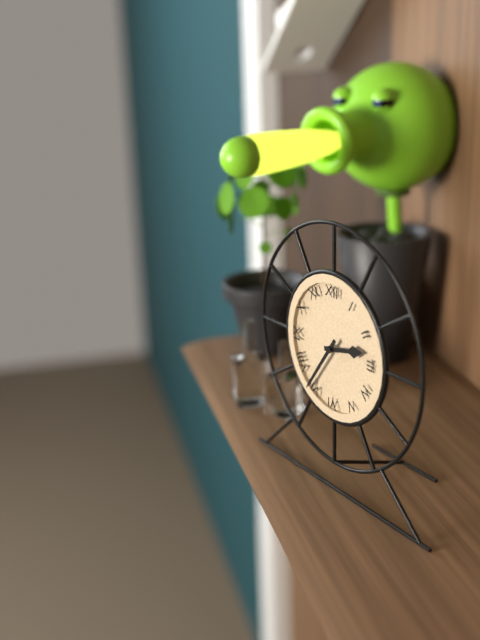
2:36
